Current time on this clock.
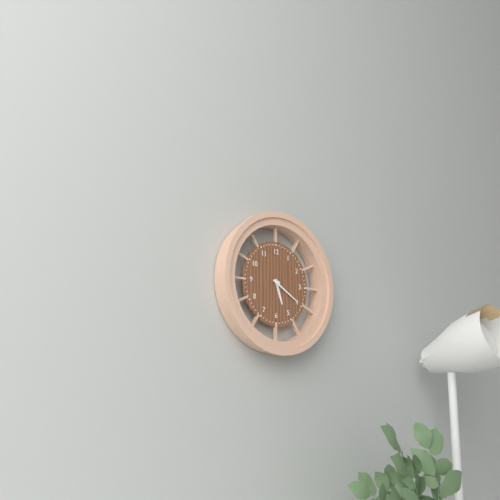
5:20
